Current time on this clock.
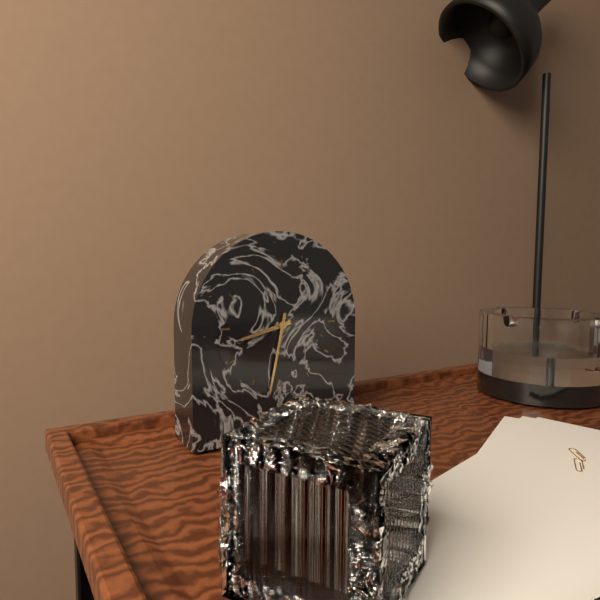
8:32
